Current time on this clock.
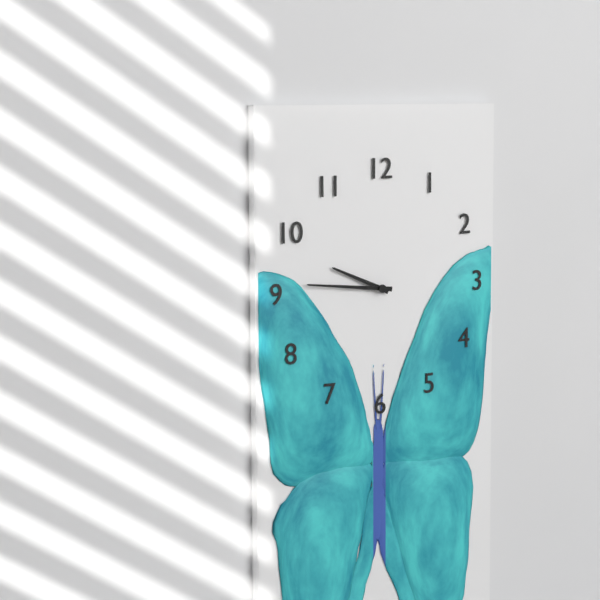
9:46
